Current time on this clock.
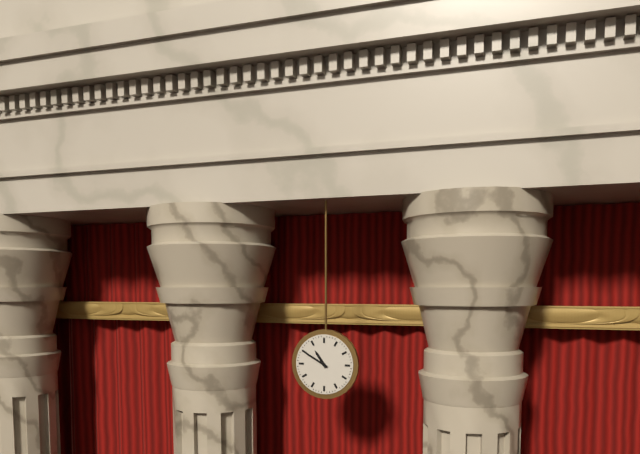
10:50
